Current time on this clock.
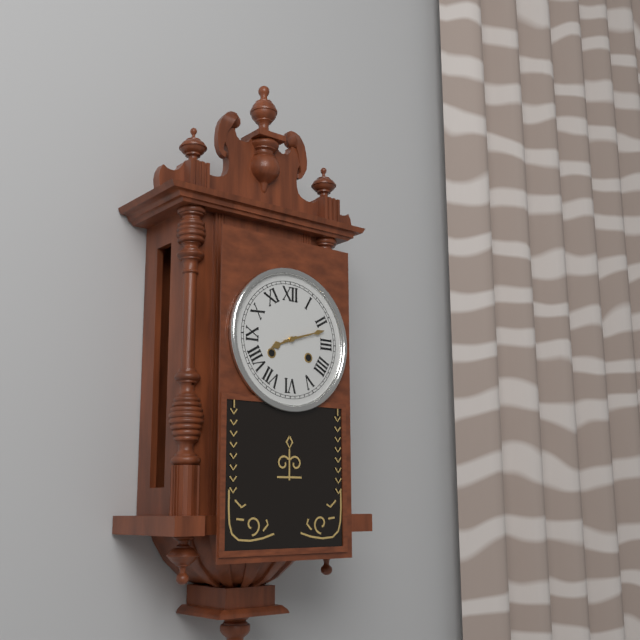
8:12
